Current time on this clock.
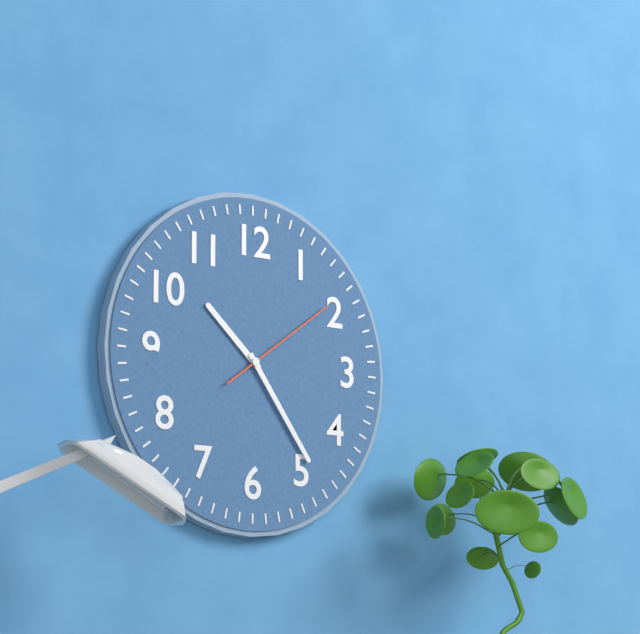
10:24:09
